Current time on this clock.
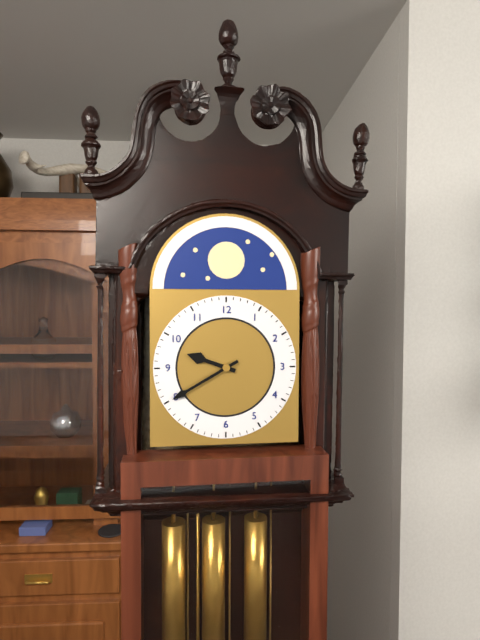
9:40
